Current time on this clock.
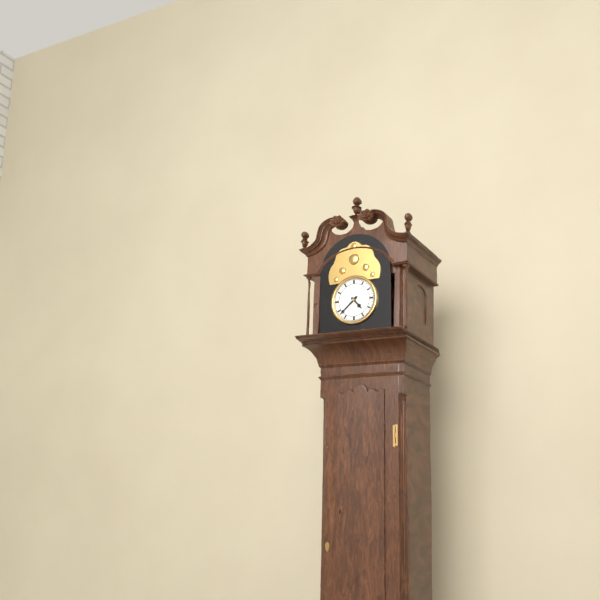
4:38
